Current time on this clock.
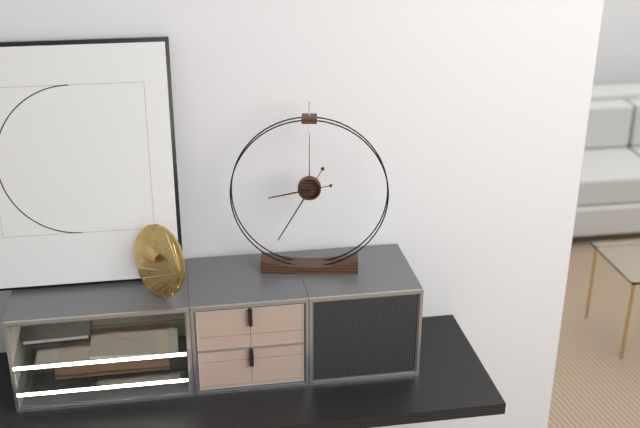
8:35
